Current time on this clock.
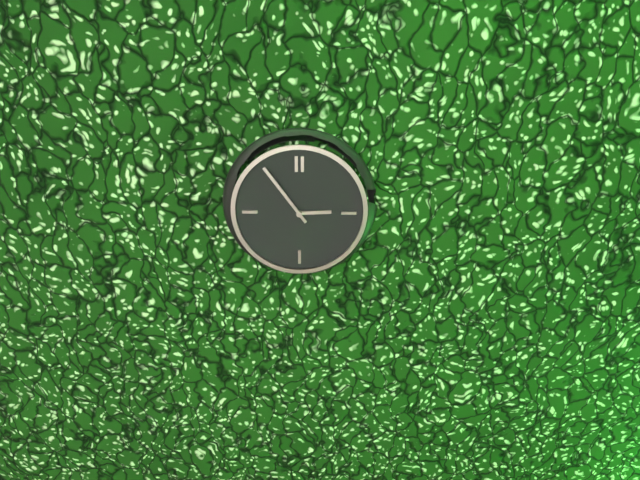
2:54
